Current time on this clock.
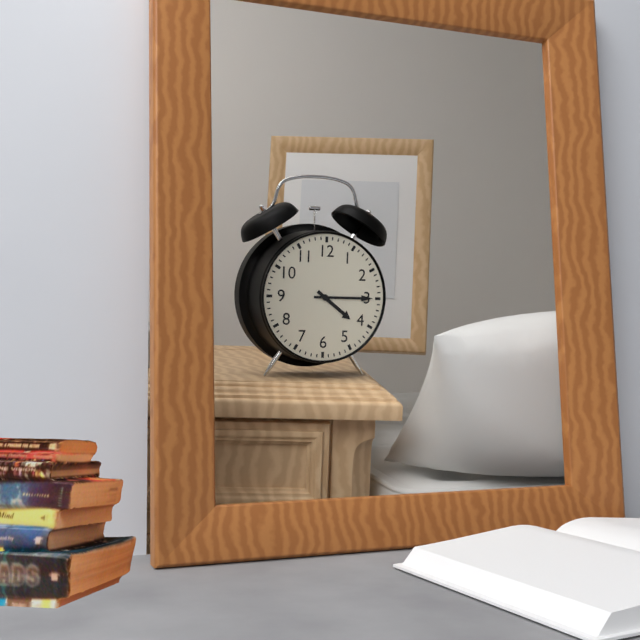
4:15
